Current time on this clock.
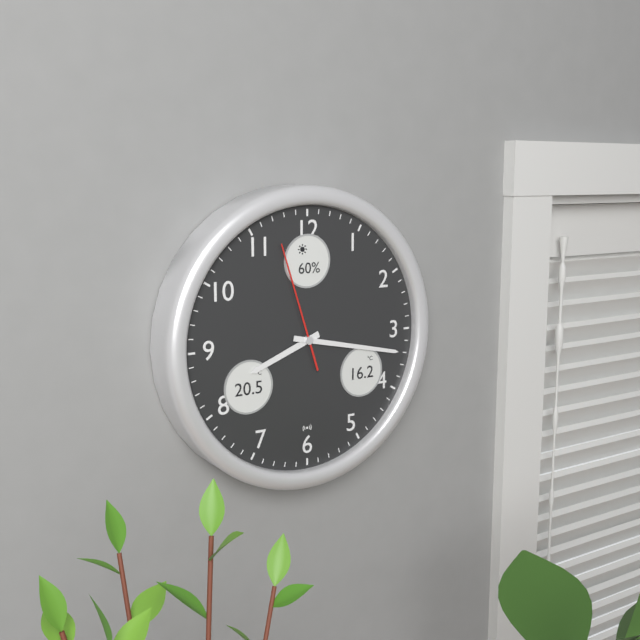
8:17:57
